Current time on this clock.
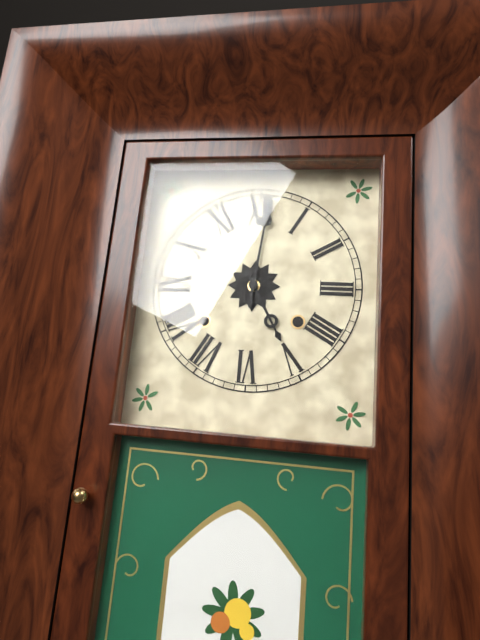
5:01
